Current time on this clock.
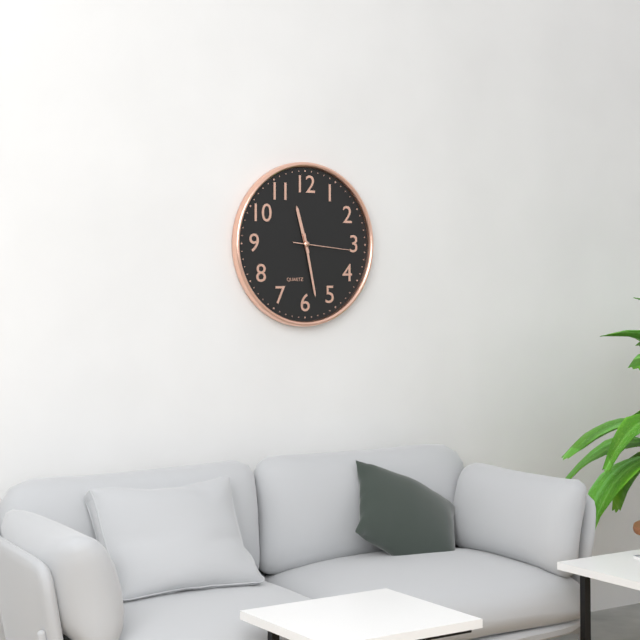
11:28:16
